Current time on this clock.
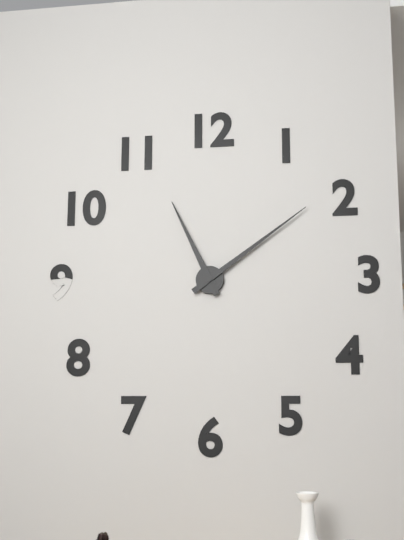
11:09
